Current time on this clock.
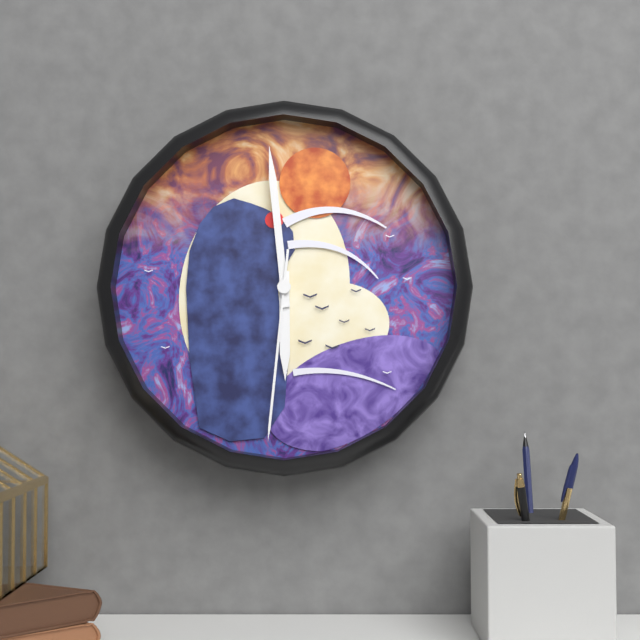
5:59:31
